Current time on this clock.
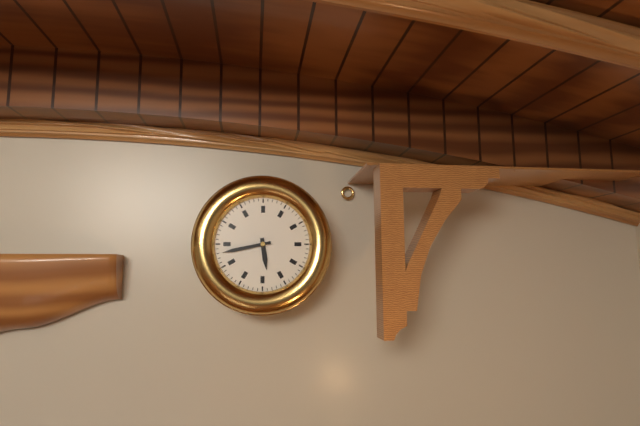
5:43
